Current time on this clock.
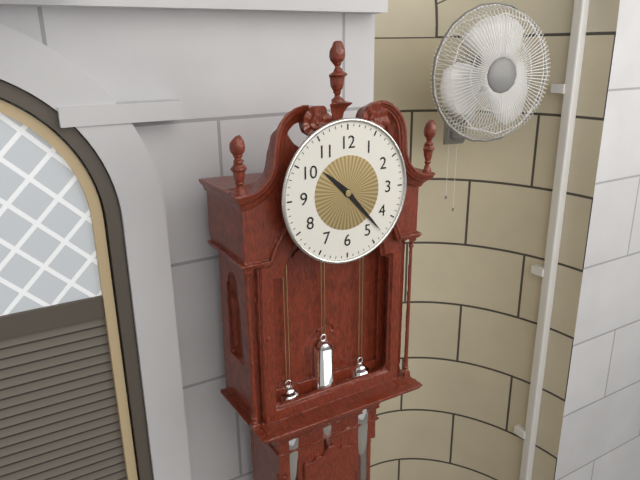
10:23
